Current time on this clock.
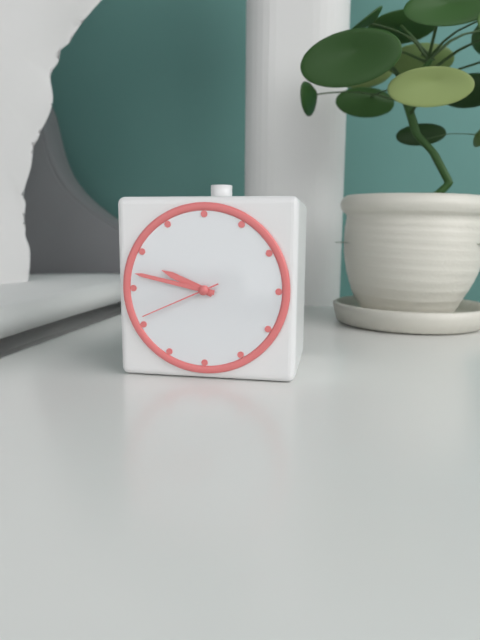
9:47:41
